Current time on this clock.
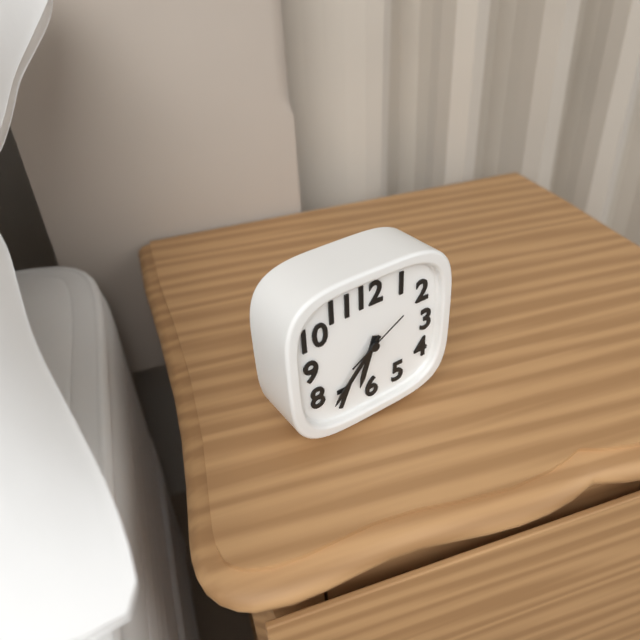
6:37:10
